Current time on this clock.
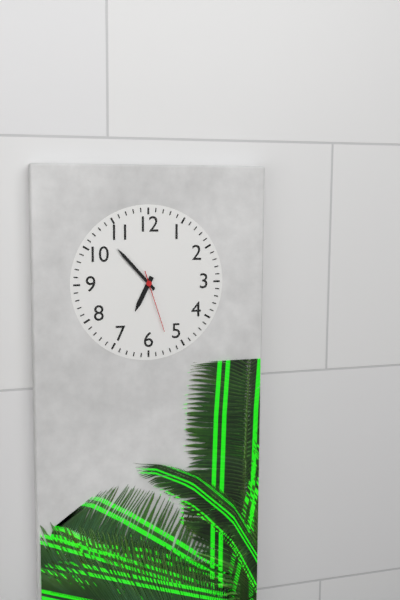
6:53:27
